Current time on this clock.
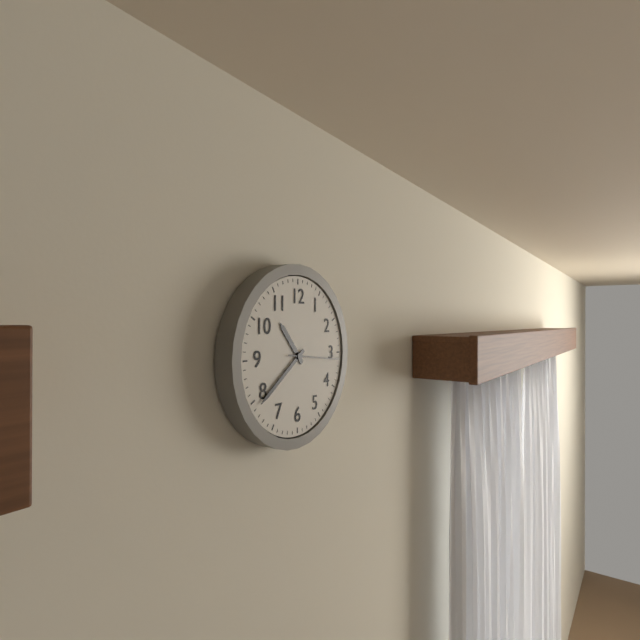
10:39:16
